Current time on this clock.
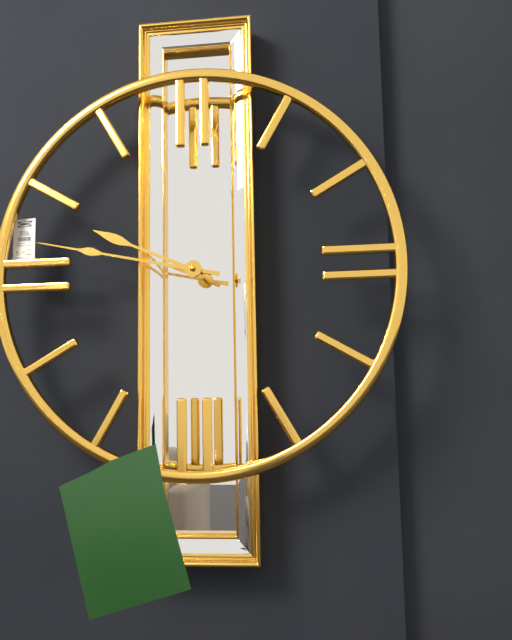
9:47
